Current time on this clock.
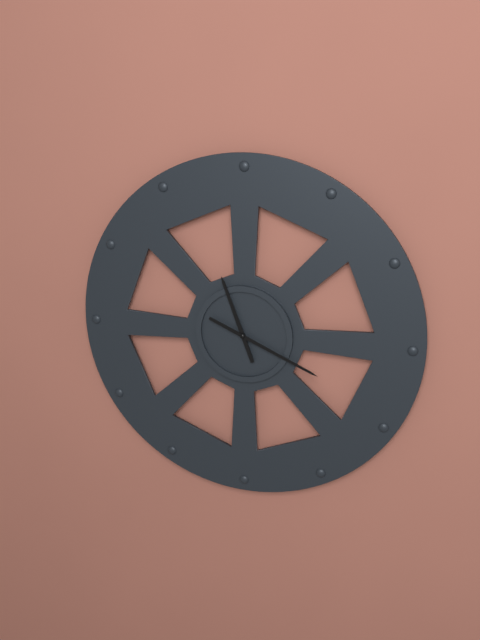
11:19
